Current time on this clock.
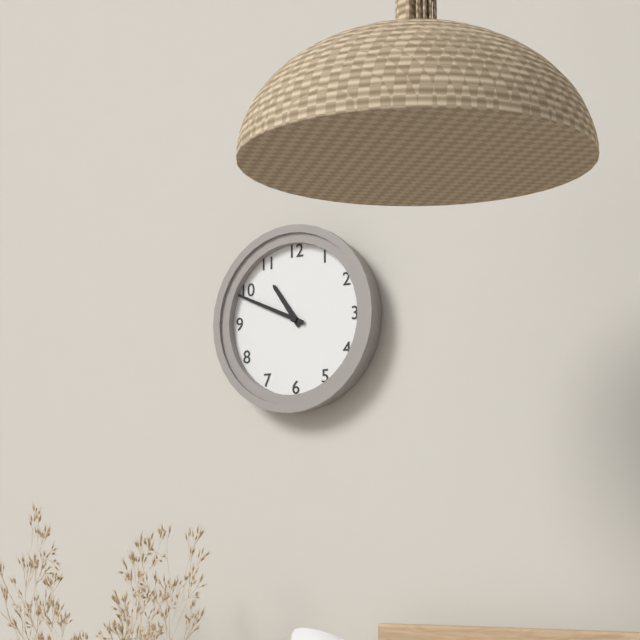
10:49
